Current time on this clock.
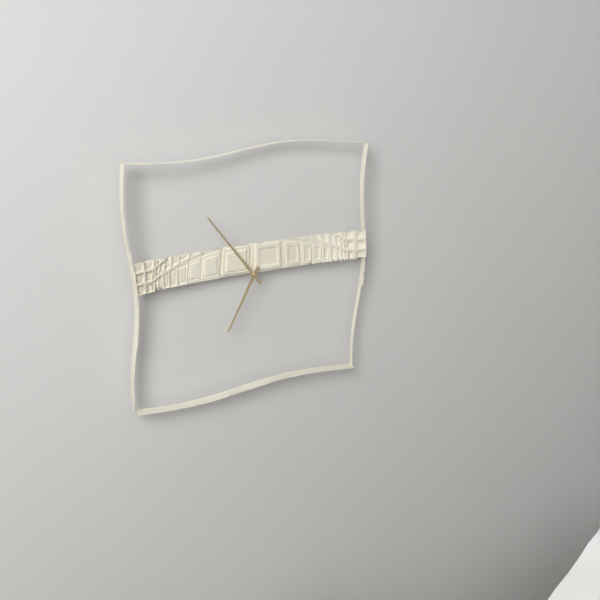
6:54
